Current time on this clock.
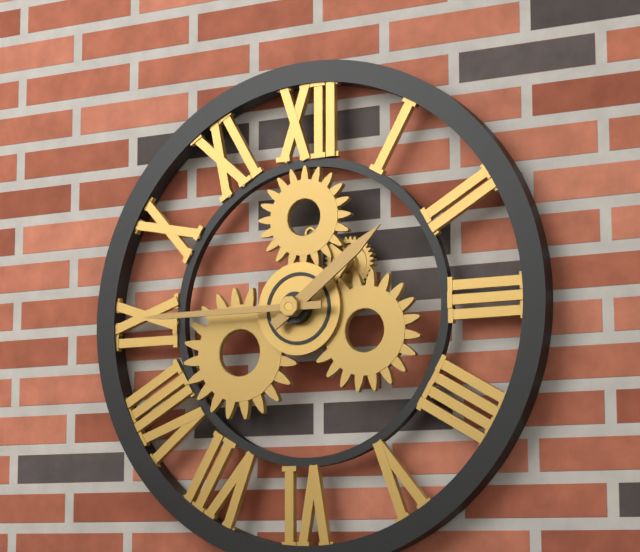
1:45
